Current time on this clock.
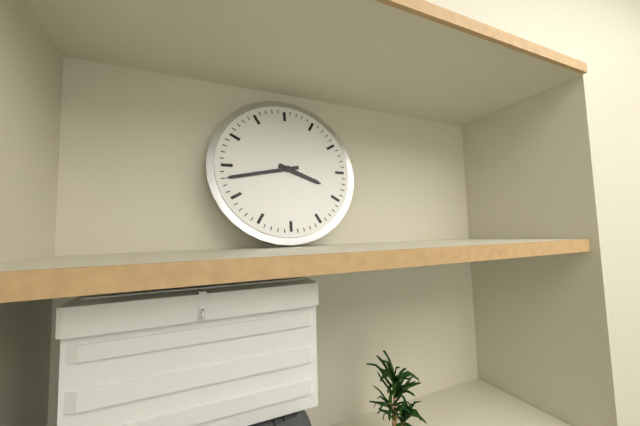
3:43
